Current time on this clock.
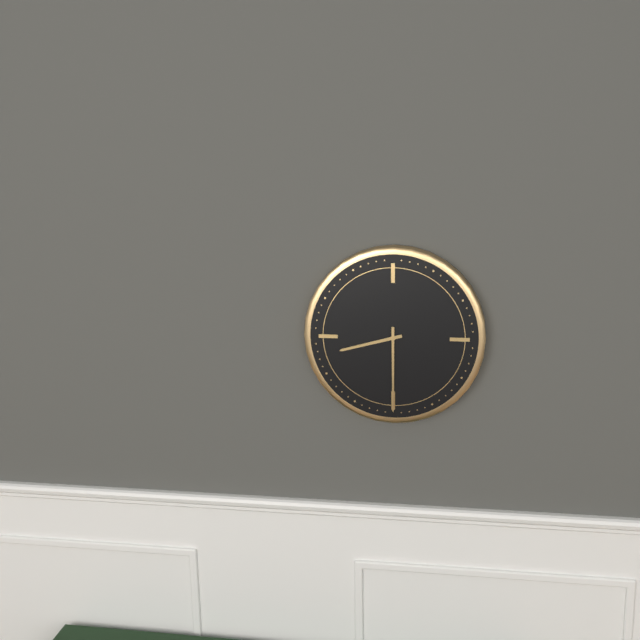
8:30
